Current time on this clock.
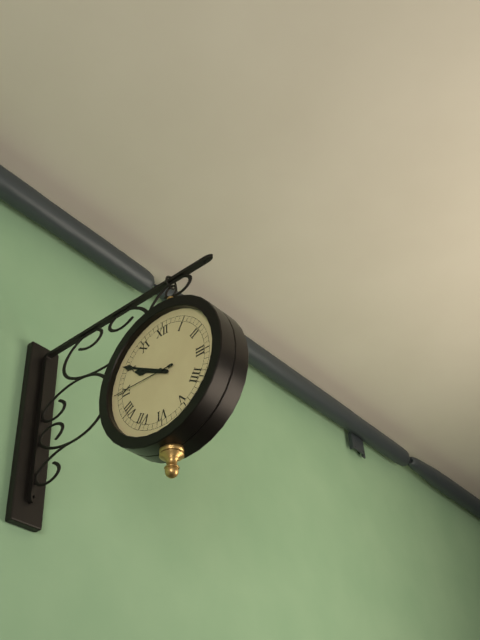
9:50:45
